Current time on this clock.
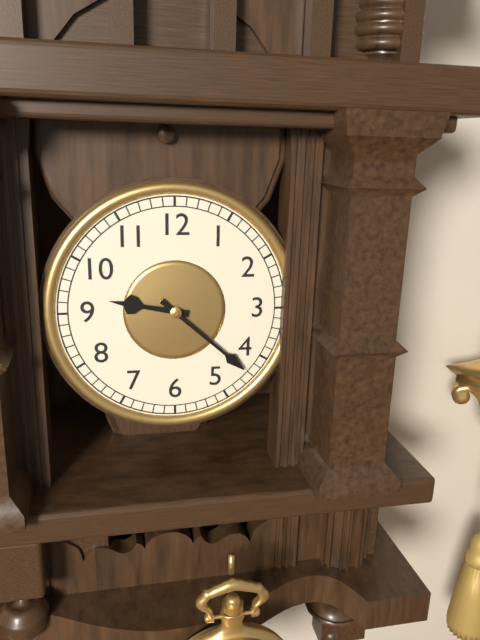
9:22
